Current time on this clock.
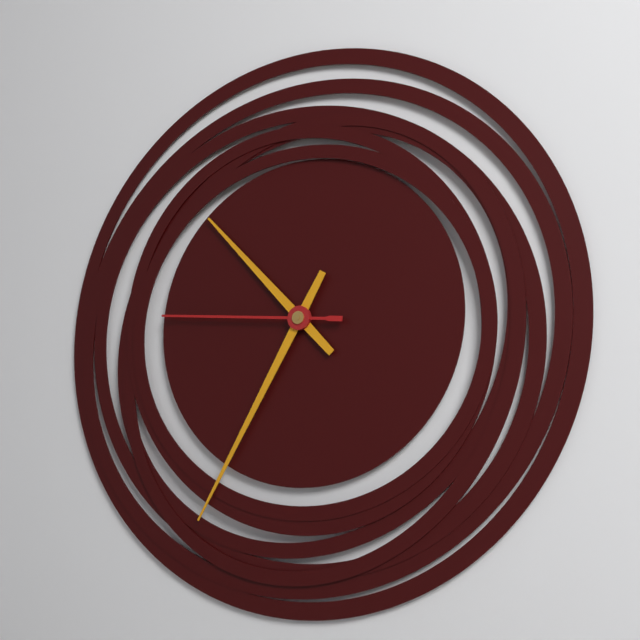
10:35:46
